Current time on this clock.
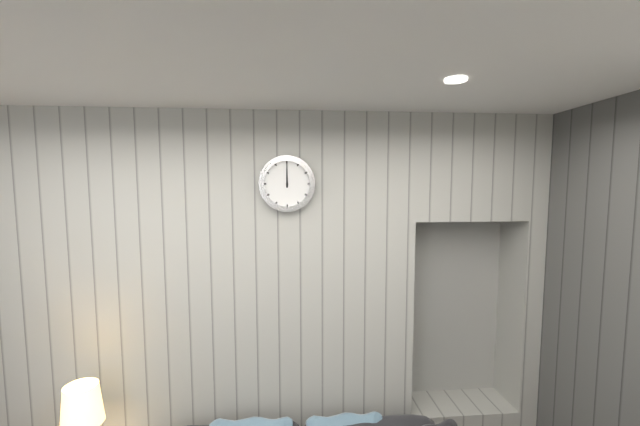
12:00
